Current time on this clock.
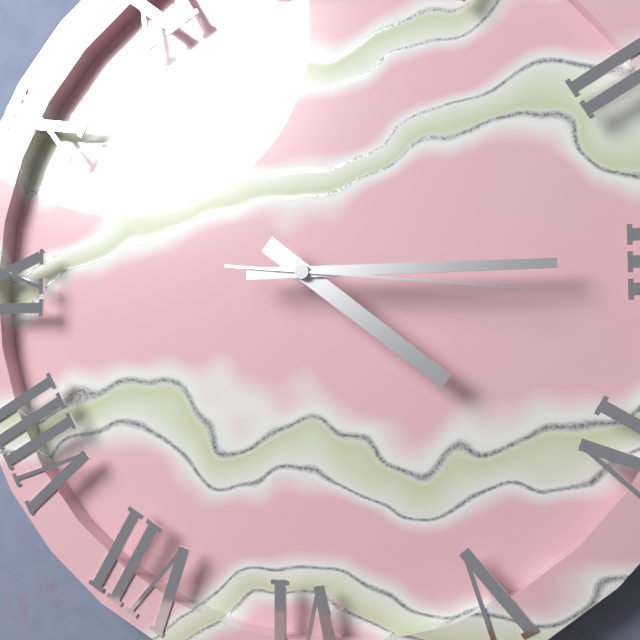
4:15:16
